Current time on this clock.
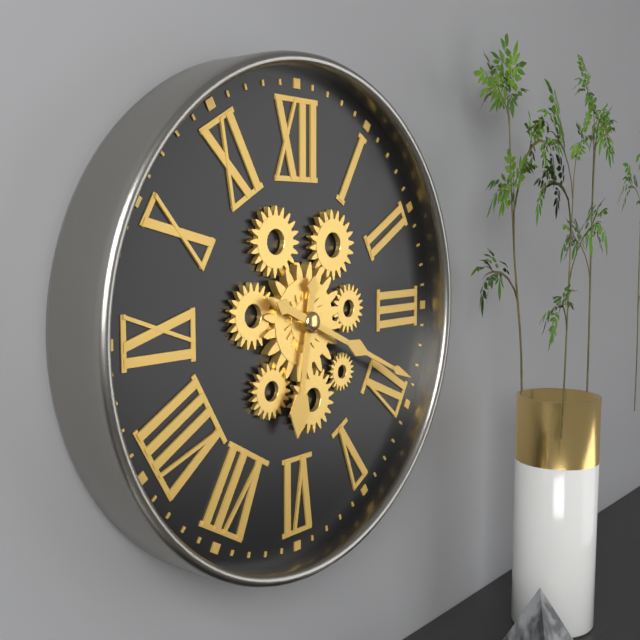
6:19
